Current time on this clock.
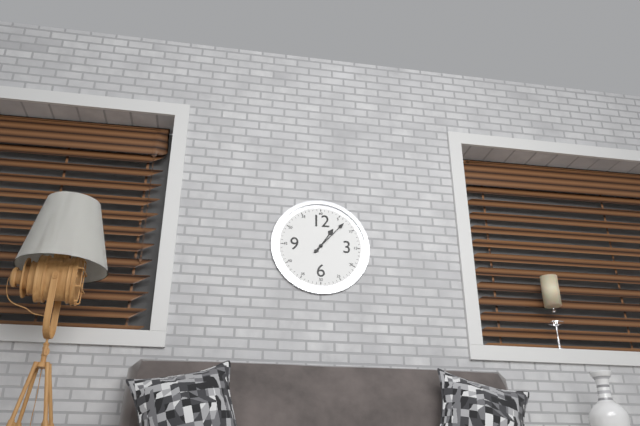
1:07
